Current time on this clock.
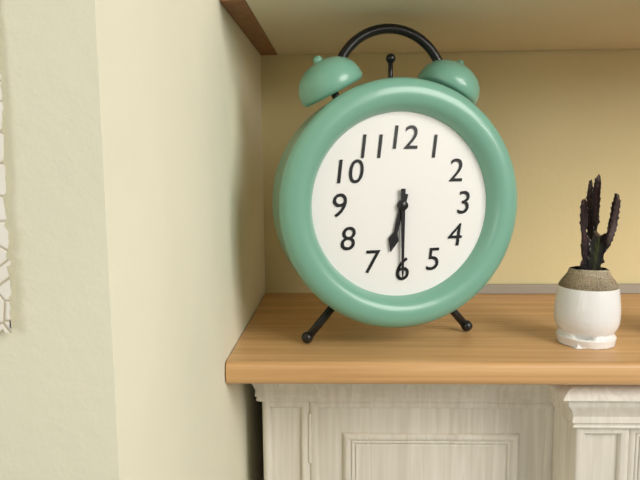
6:30
